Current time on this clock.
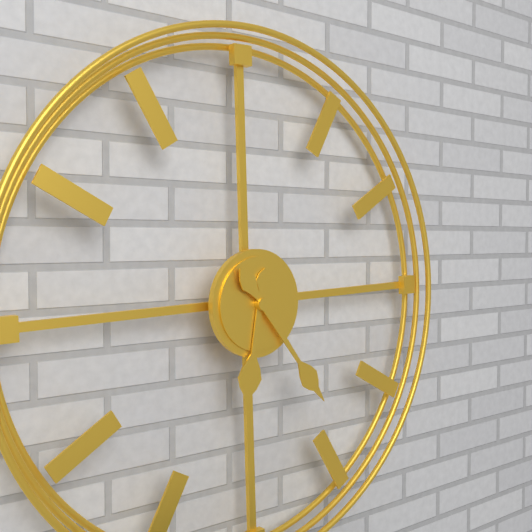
6:24
